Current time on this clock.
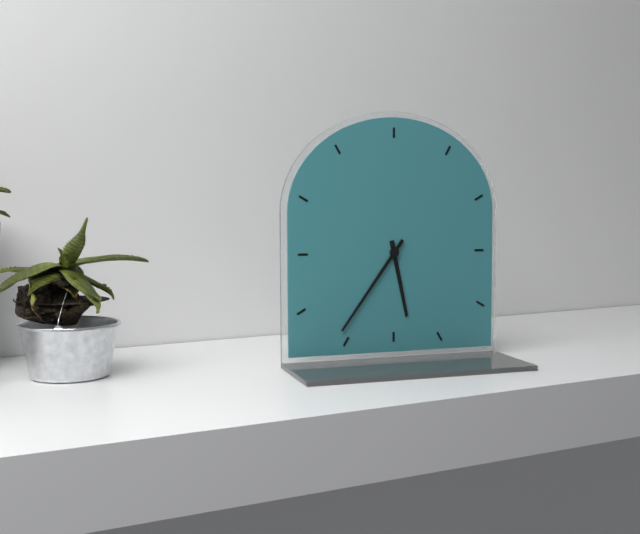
5:36
